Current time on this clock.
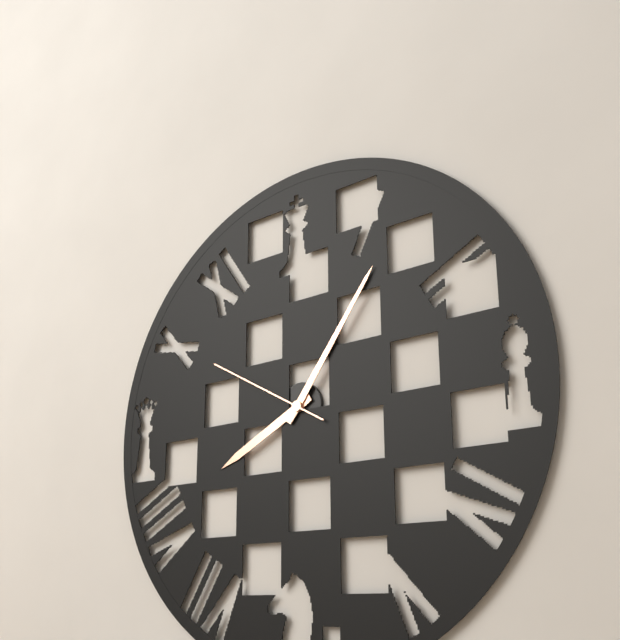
8:06:50
